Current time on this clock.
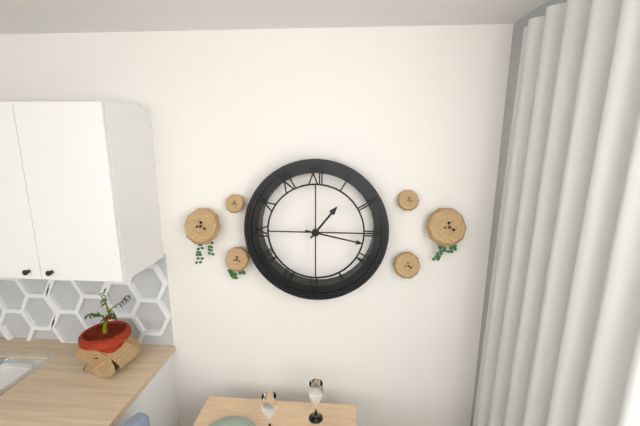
1:17
